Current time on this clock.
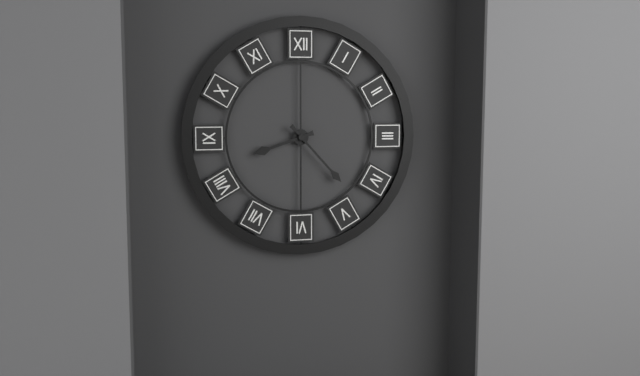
8:23
